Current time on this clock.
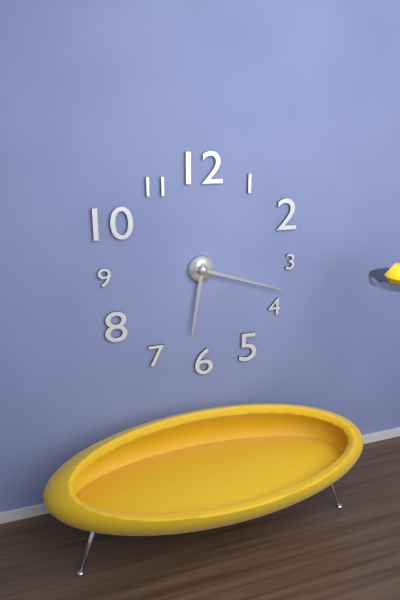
6:18
